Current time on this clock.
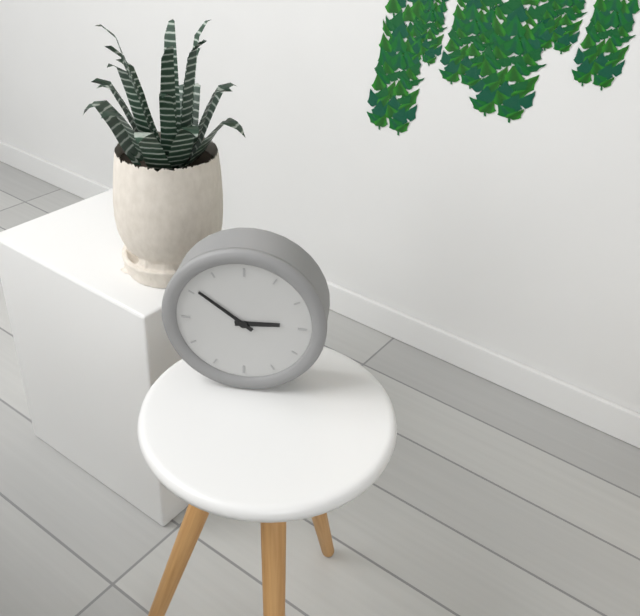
2:51
